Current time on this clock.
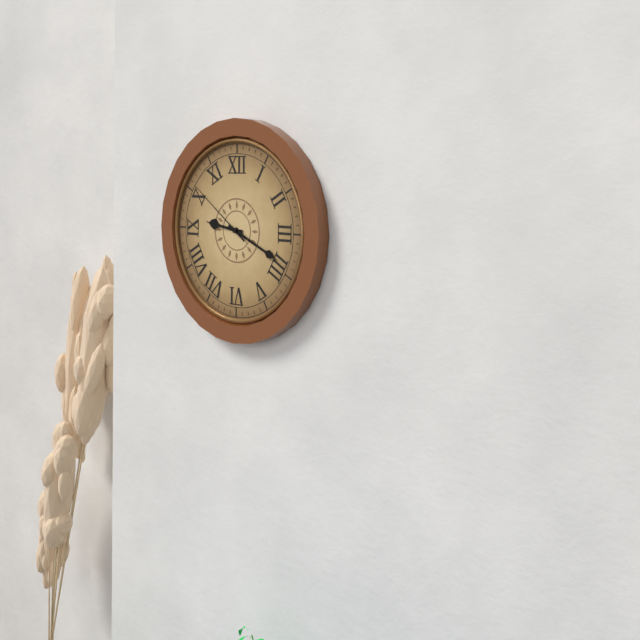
9:19:51
